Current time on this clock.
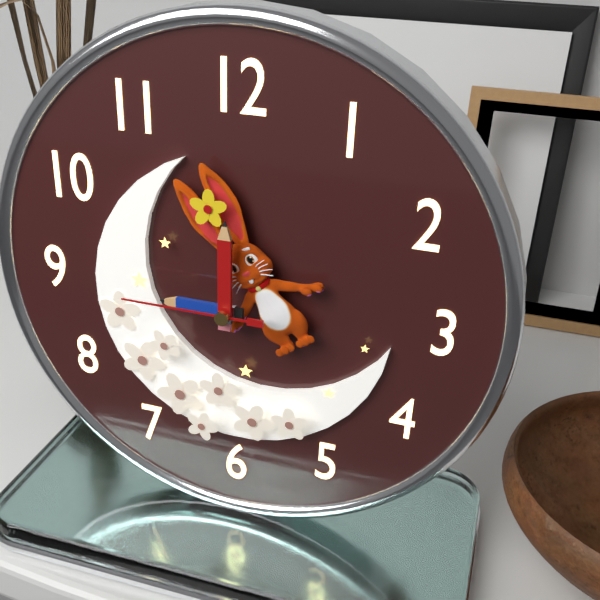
9:00:45
